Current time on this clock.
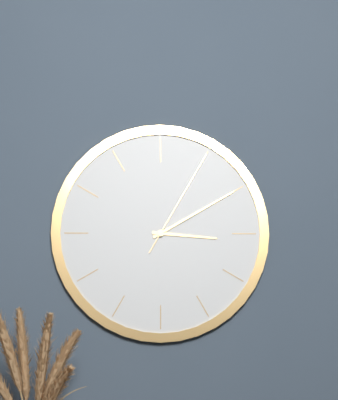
3:10:05
